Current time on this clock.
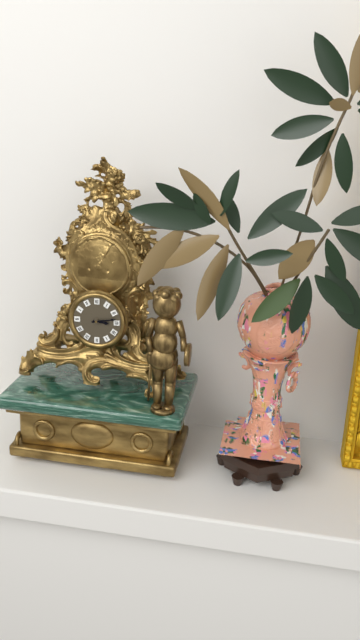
3:13
